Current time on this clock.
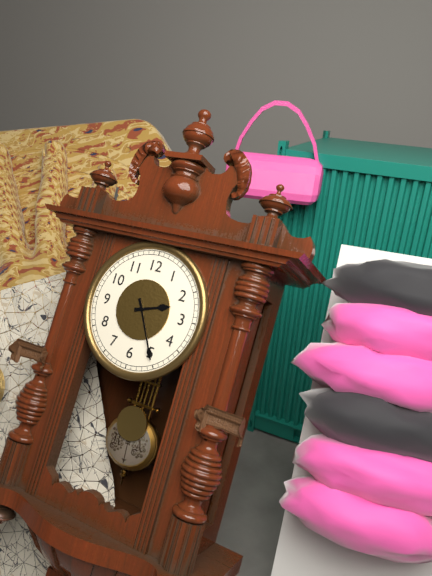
2:25
